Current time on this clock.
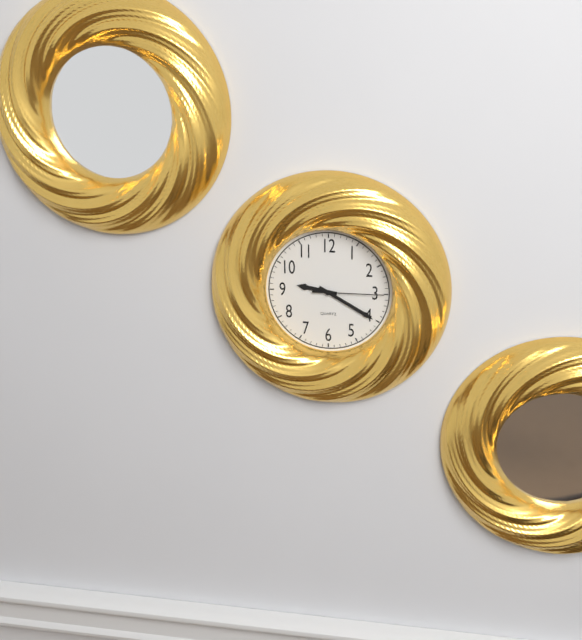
9:20:15
